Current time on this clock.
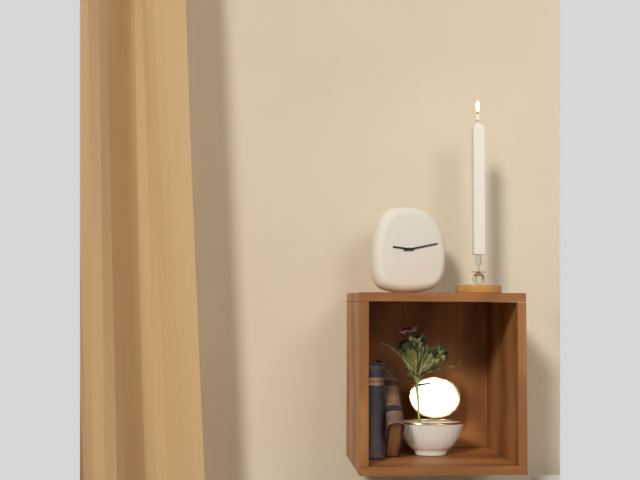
9:13
